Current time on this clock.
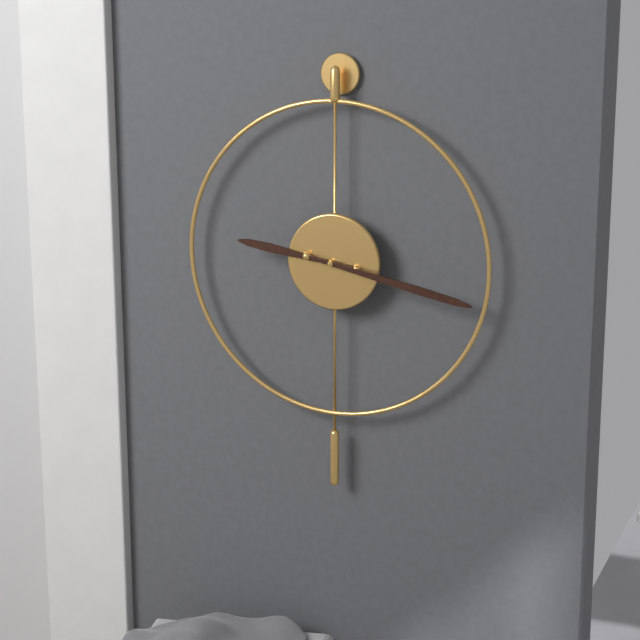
9:17
